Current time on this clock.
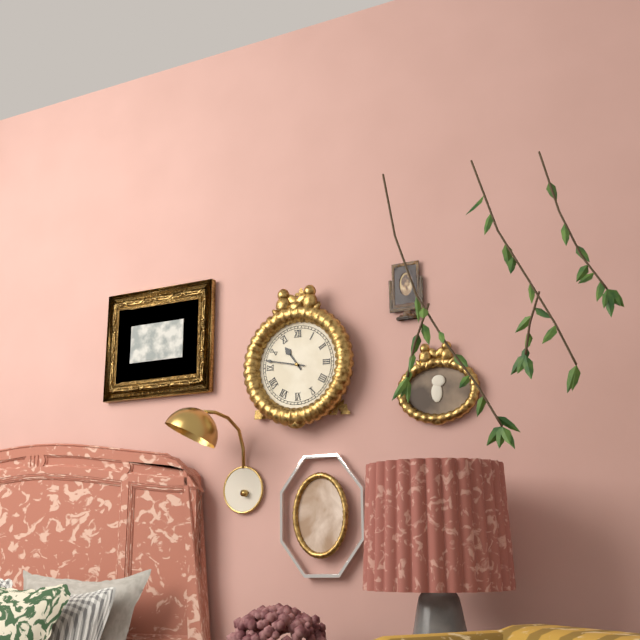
10:47
